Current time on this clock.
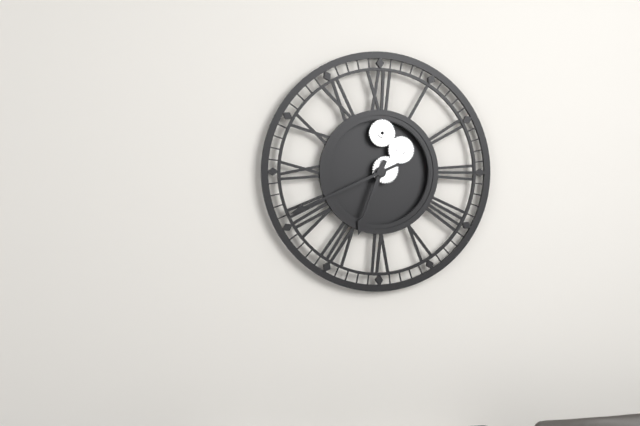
6:41
